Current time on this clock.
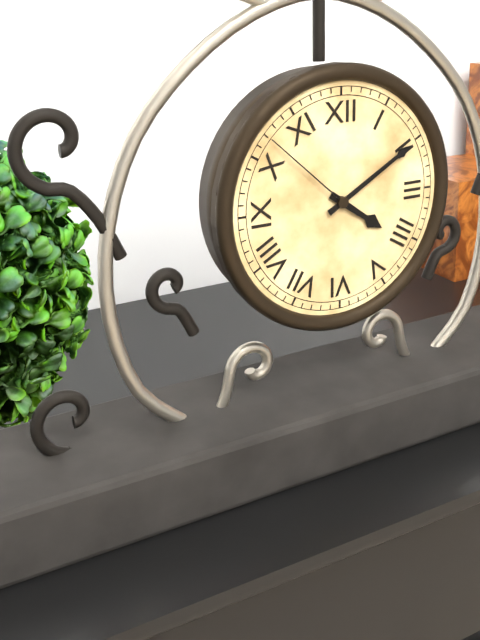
4:10:52
